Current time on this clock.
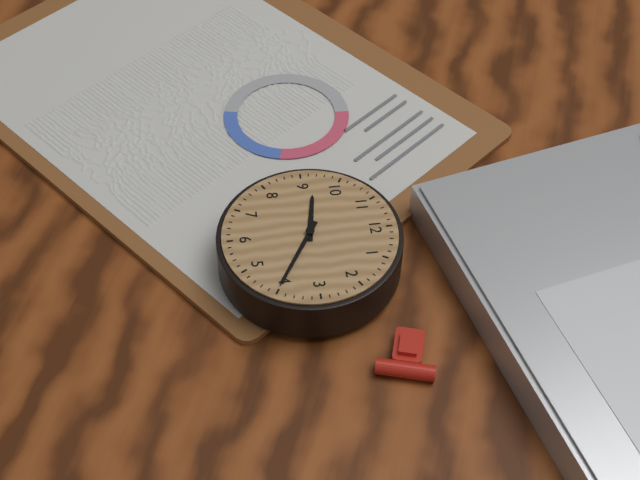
9:20
